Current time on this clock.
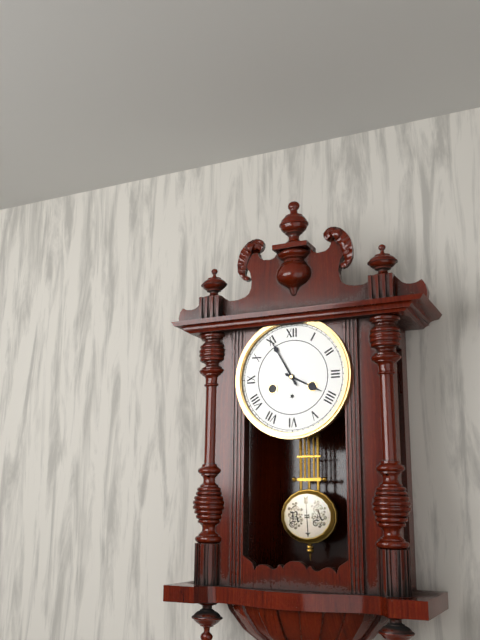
3:55
